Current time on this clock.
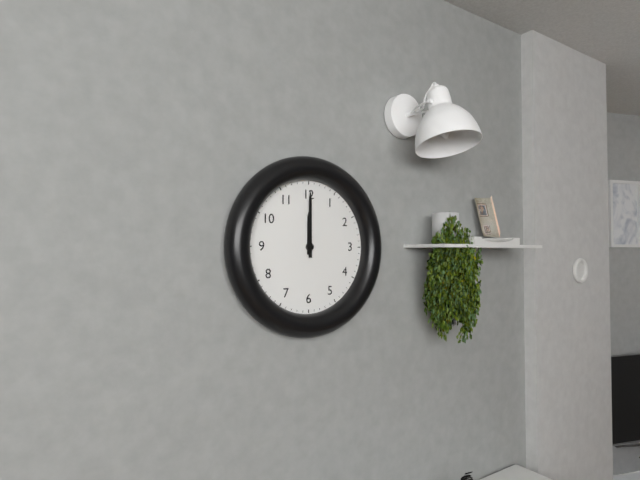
12:00
